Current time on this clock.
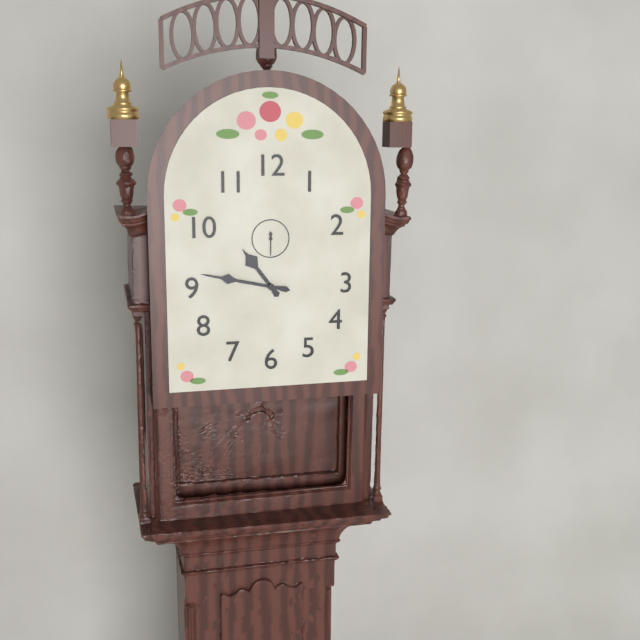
10:47
